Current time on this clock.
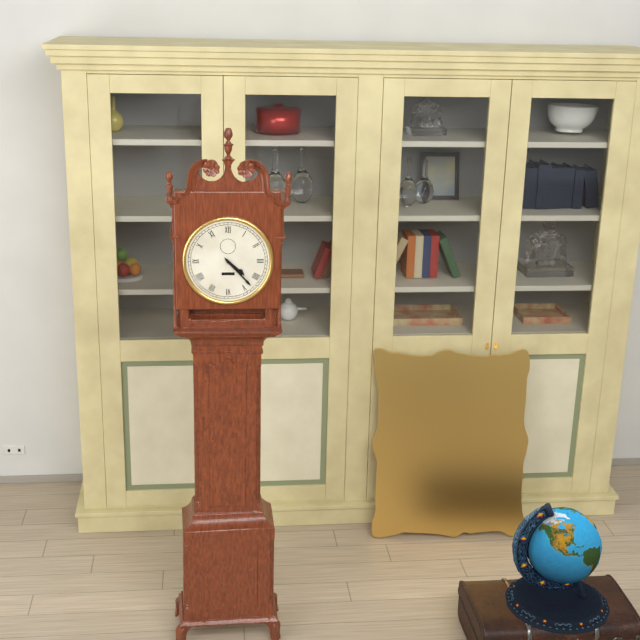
4:23
